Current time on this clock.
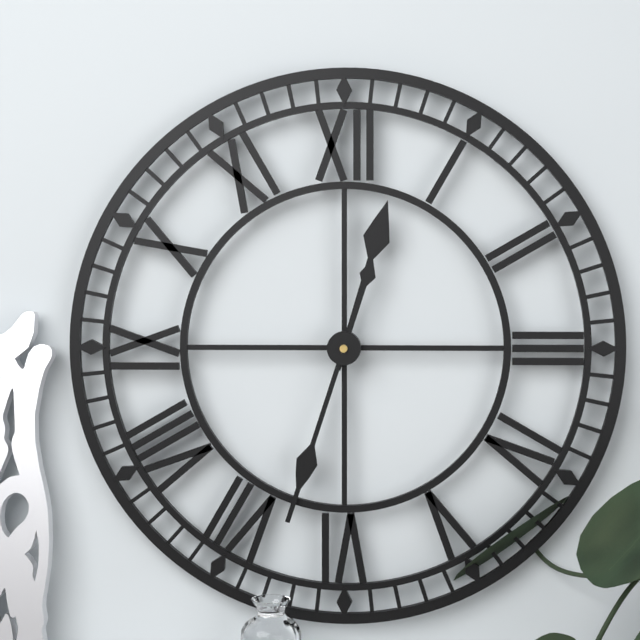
12:33
